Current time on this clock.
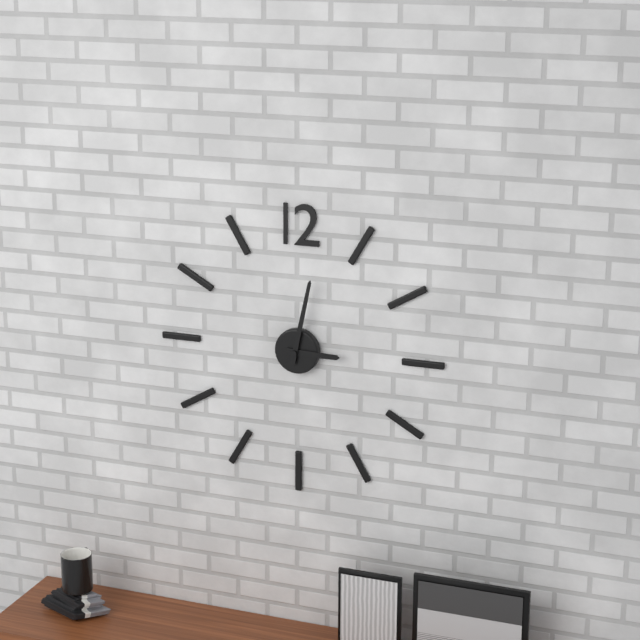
3:02
